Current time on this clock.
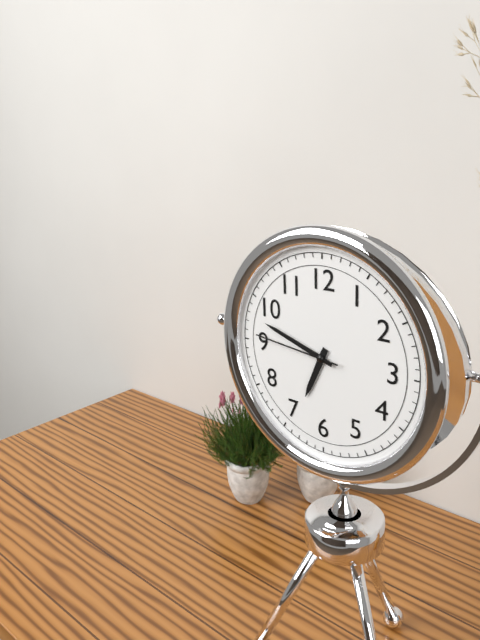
6:48:46
